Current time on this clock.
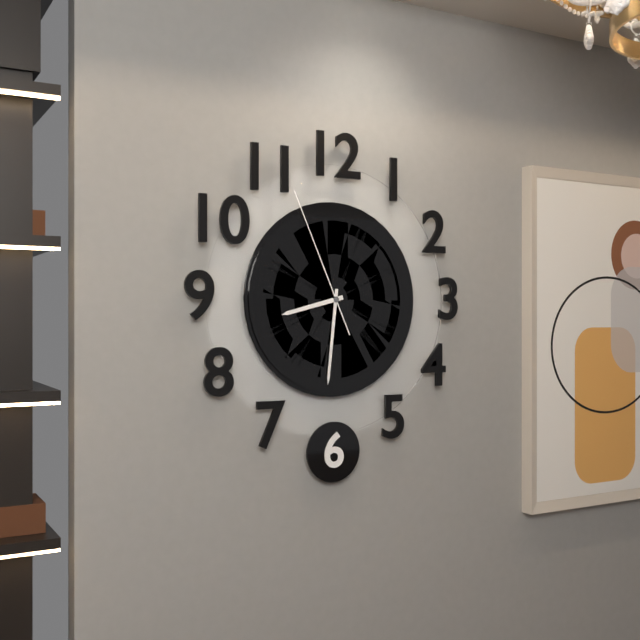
8:31:56
